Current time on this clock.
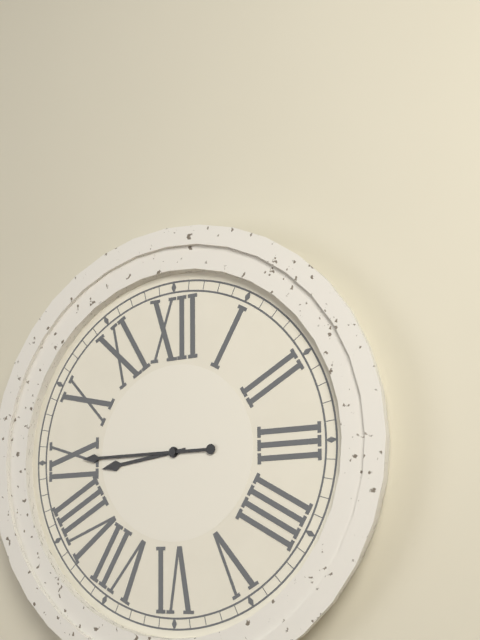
8:45
